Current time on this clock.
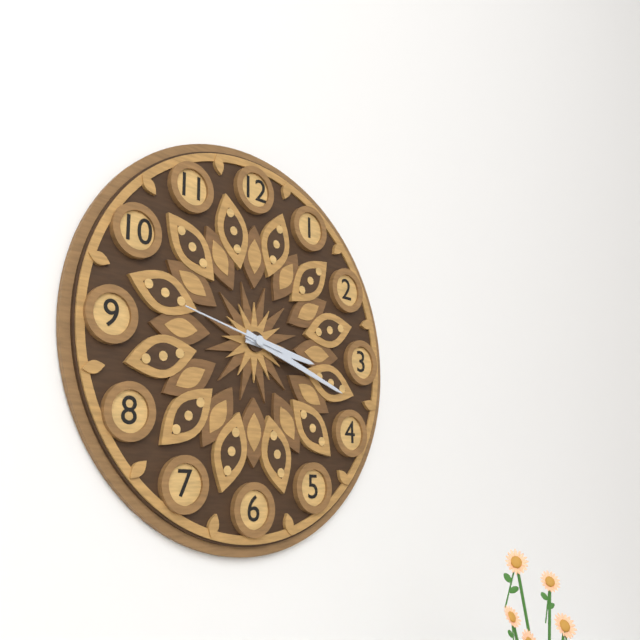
3:18:47
